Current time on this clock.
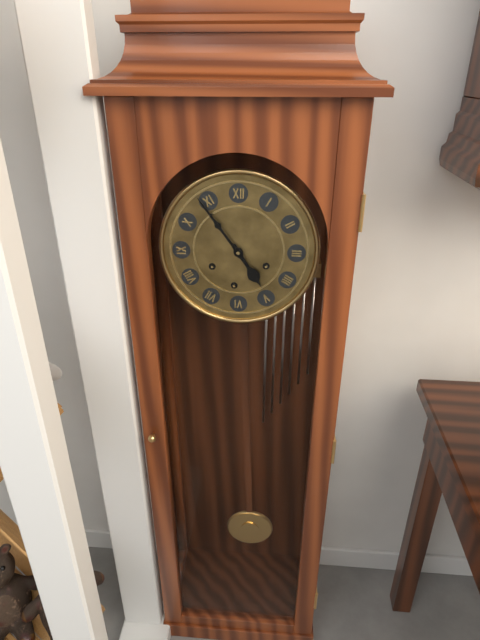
4:54
